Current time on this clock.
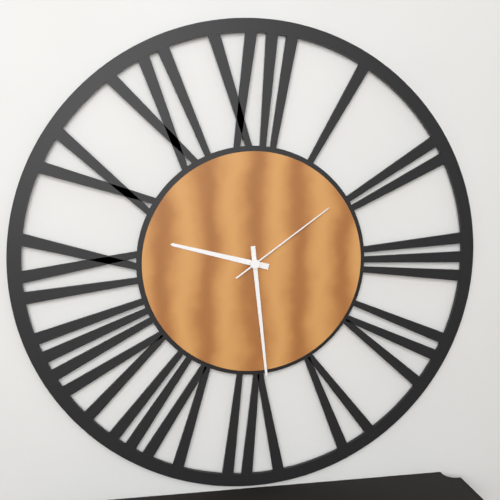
9:29:09
